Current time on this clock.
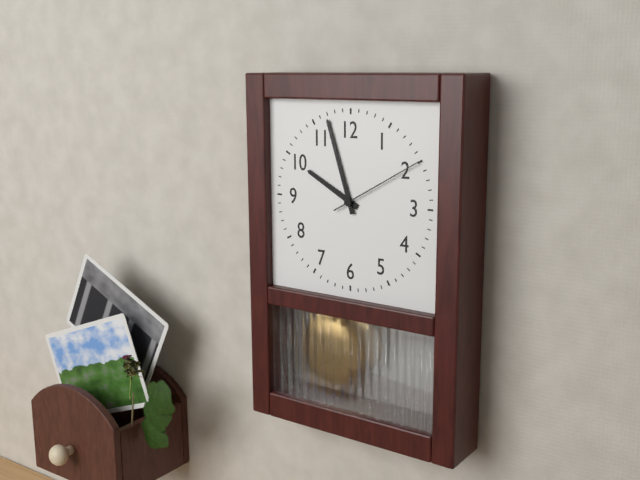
9:57:10
